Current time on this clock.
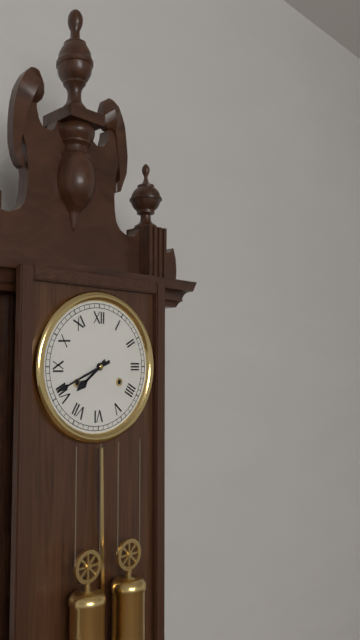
7:41
